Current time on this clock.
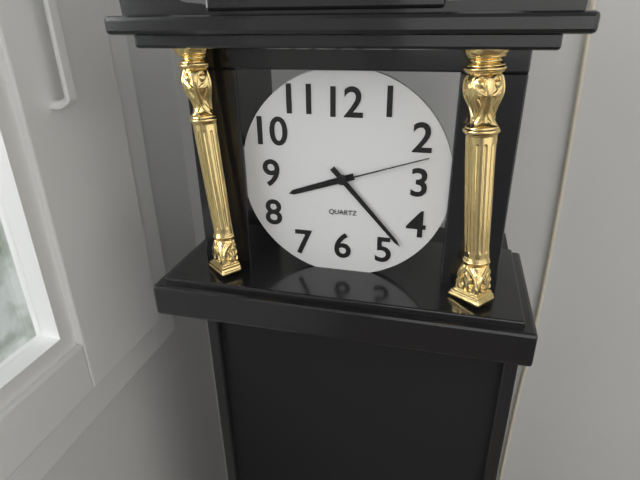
8:23:12
